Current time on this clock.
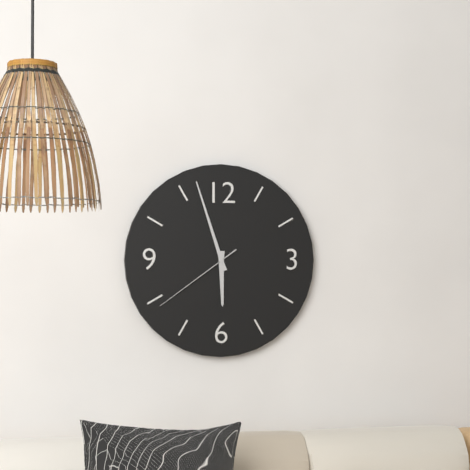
5:57:39
